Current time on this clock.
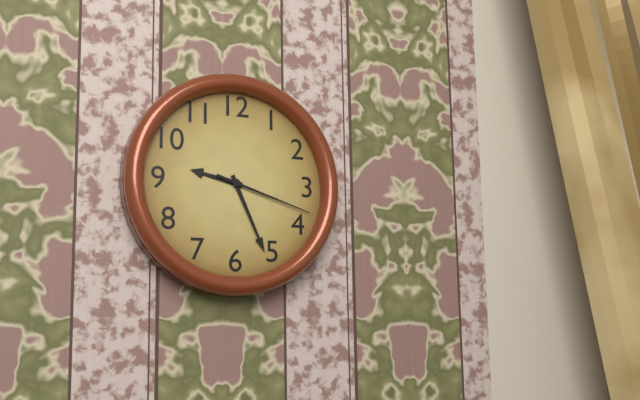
9:26:18
